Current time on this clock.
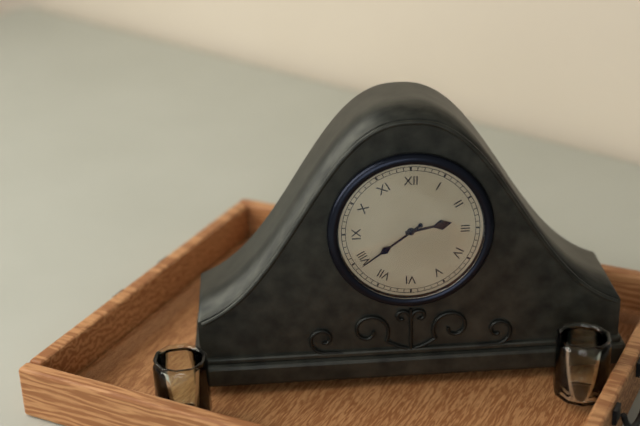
2:39
